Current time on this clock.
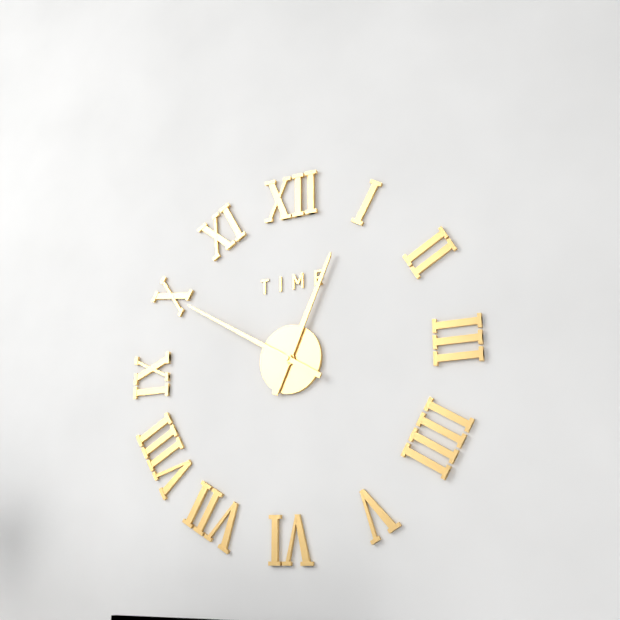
12:50
